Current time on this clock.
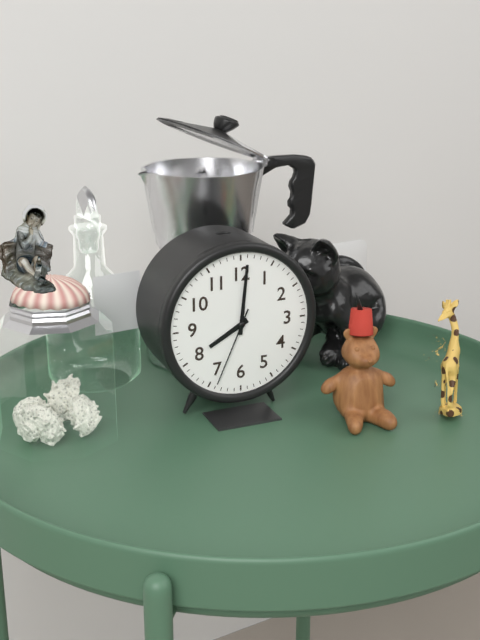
8:01:34
